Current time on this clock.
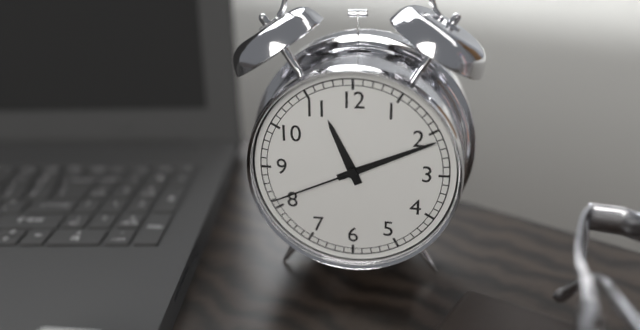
11:11:41
